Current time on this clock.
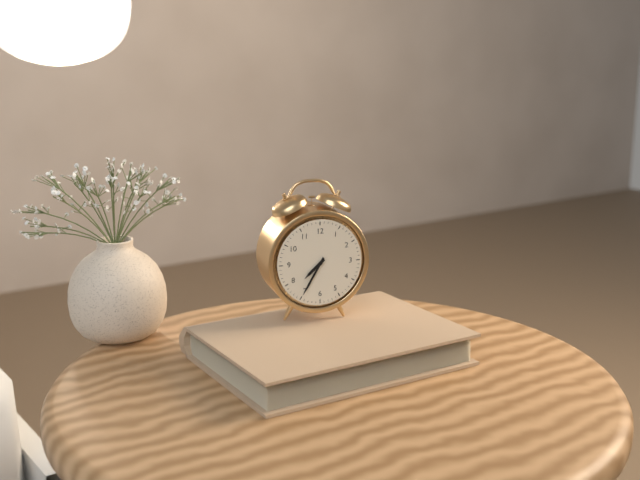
7:35
